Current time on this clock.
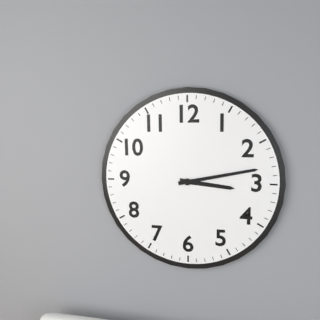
3:13
